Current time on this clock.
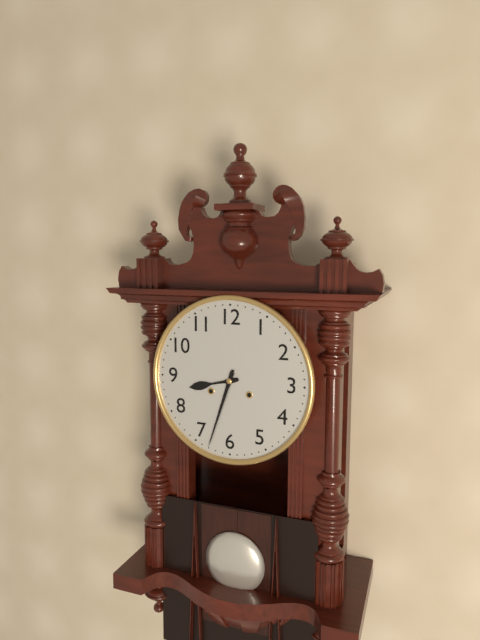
8:33
